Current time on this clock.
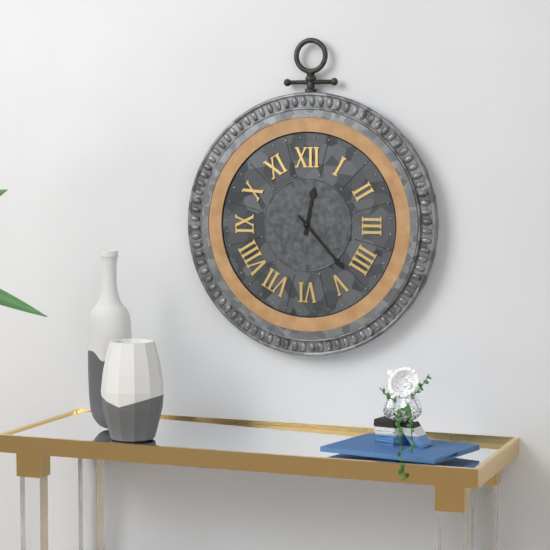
12:23
